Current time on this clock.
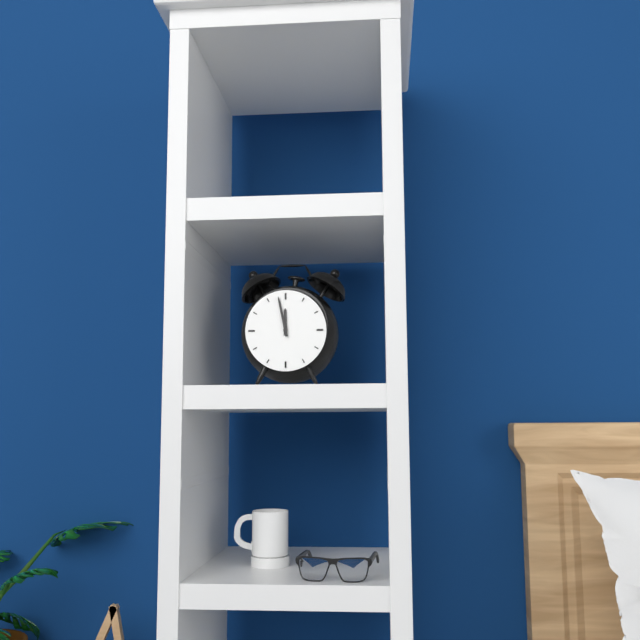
11:58
